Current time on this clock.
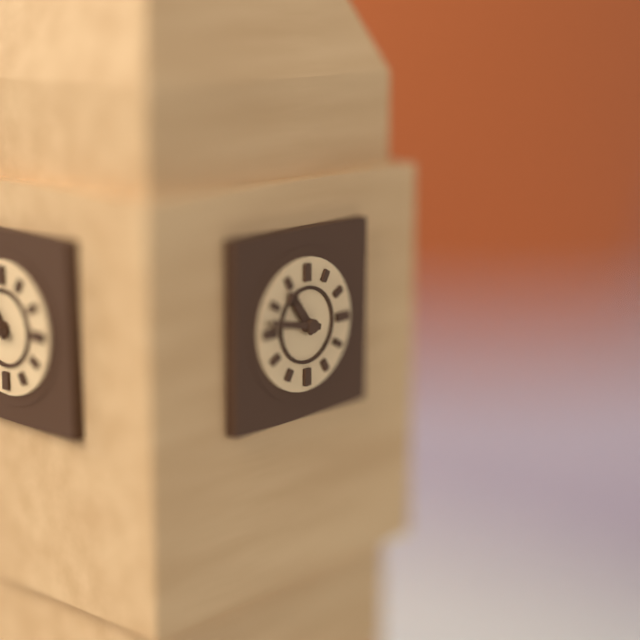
10:47
